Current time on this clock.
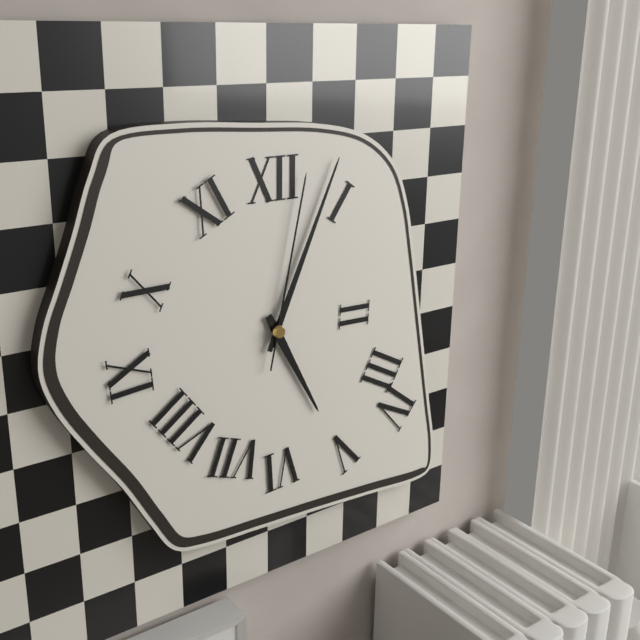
5:04:02
